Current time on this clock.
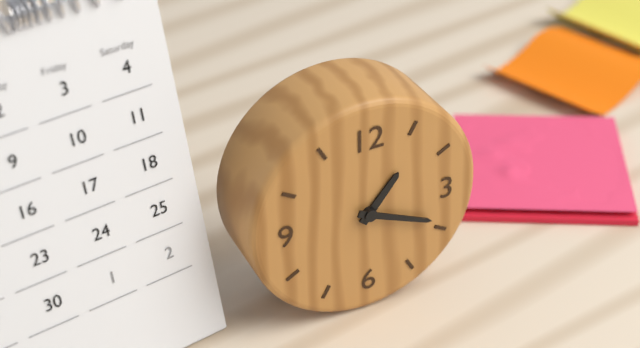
1:19
